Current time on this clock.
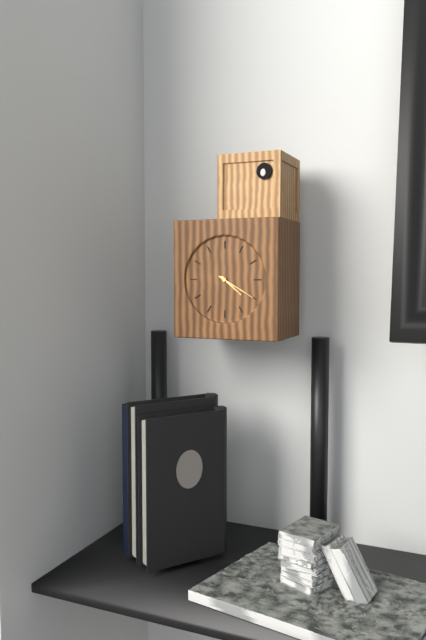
4:20
